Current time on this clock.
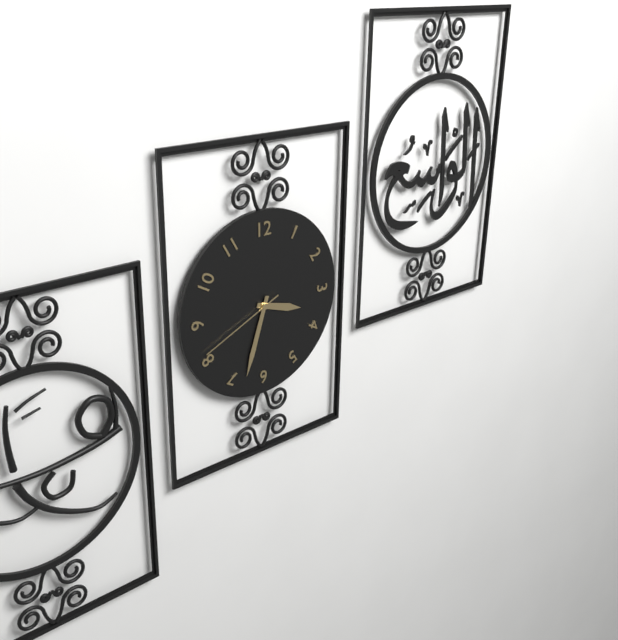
3:33:41
